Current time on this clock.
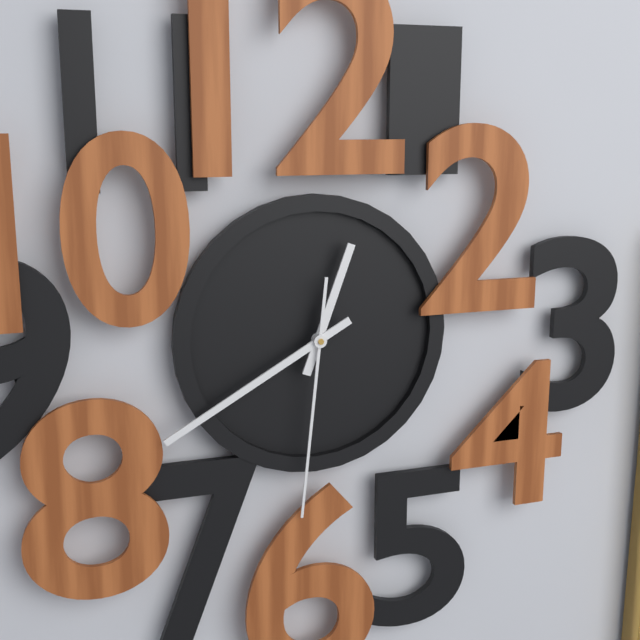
12:40:31
